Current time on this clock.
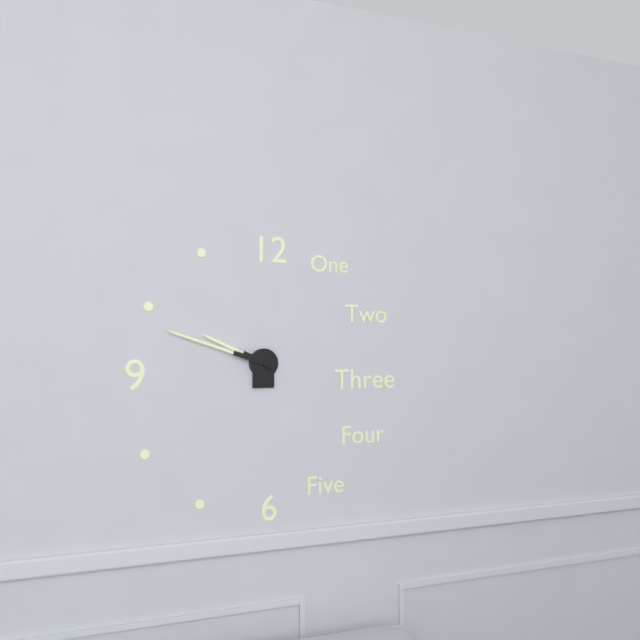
9:48
